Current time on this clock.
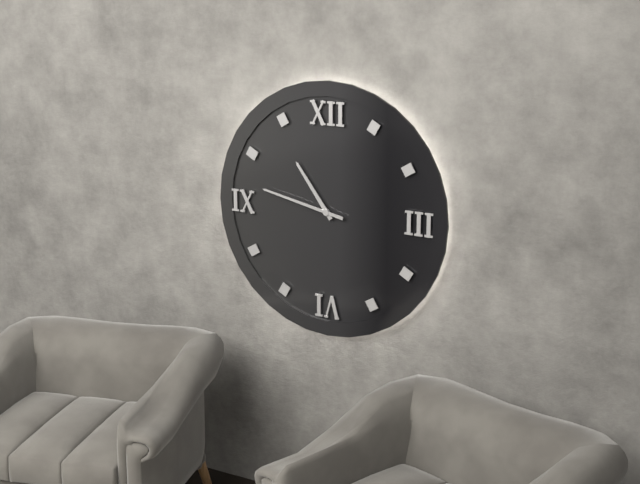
10:47
